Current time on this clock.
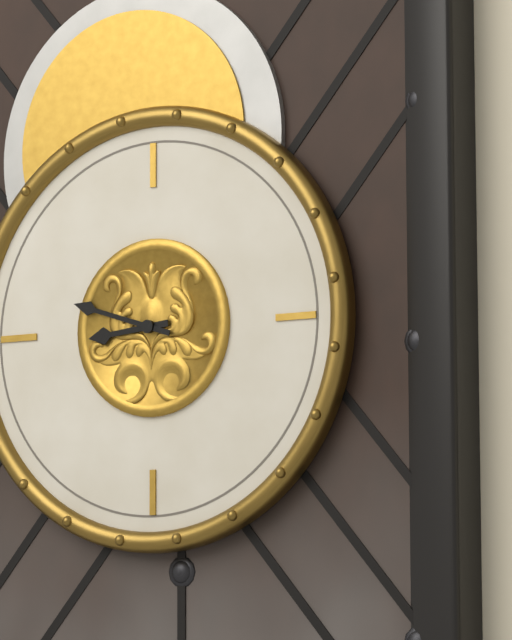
8:48
